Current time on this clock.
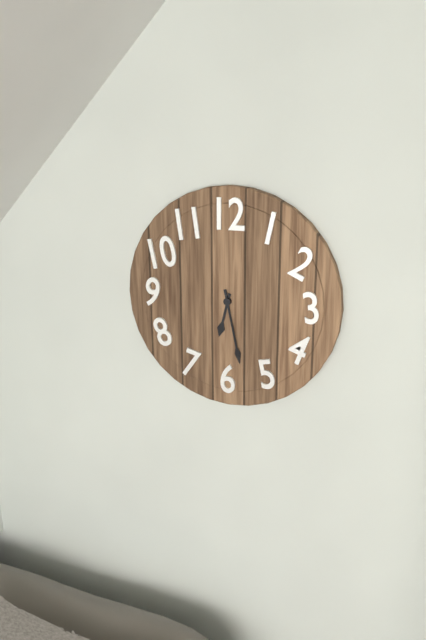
6:28
